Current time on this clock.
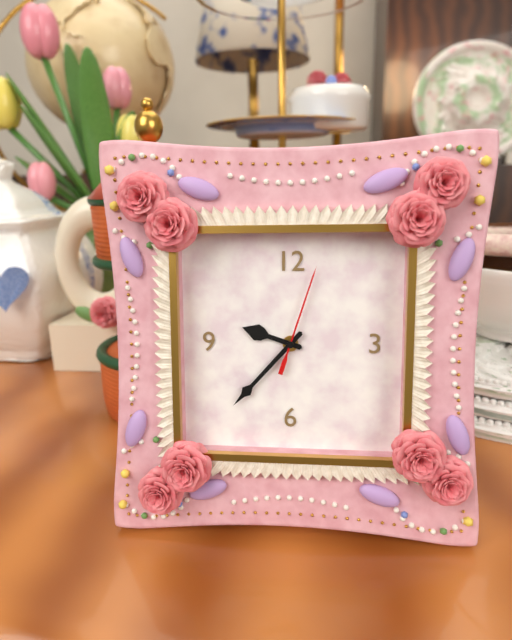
9:37:03
